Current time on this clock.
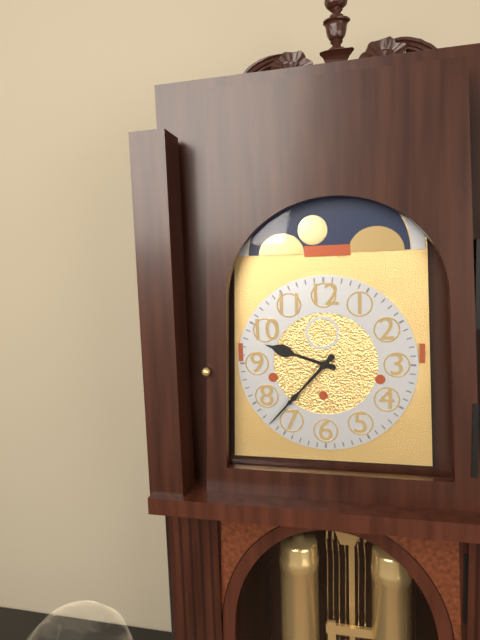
9:37
